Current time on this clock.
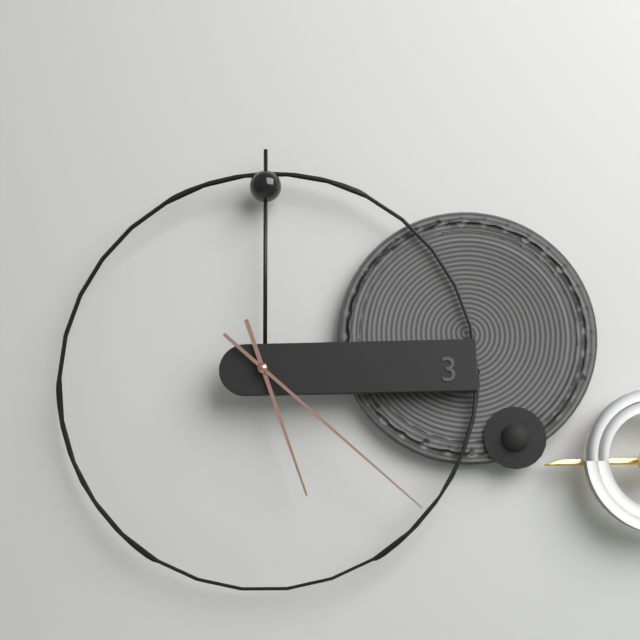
5:22
